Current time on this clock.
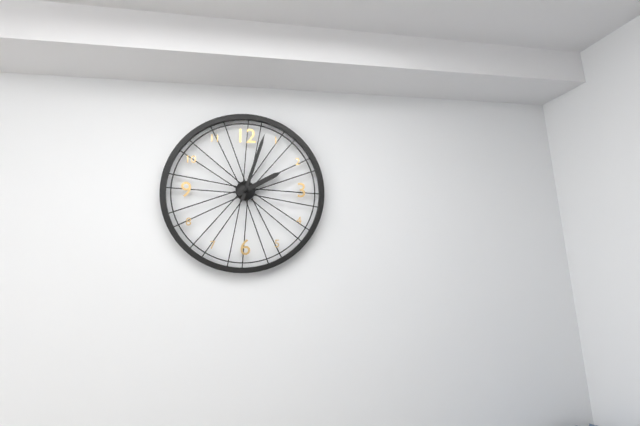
2:03
